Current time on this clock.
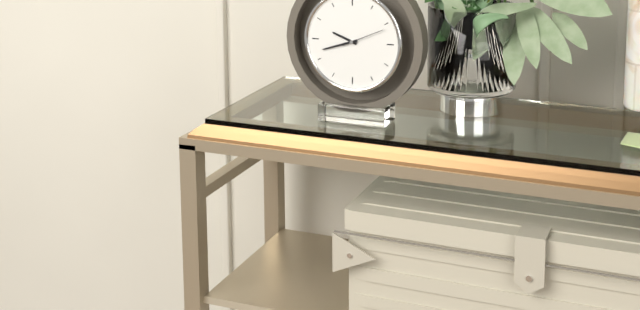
9:42
